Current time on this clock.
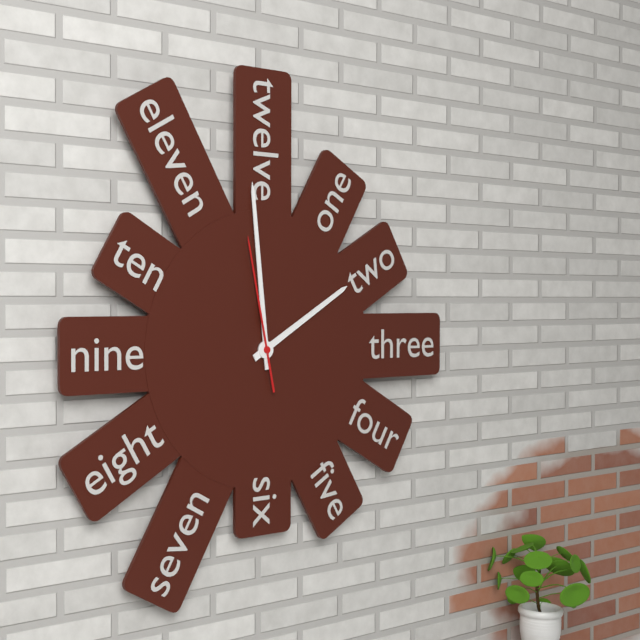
1:59:58
